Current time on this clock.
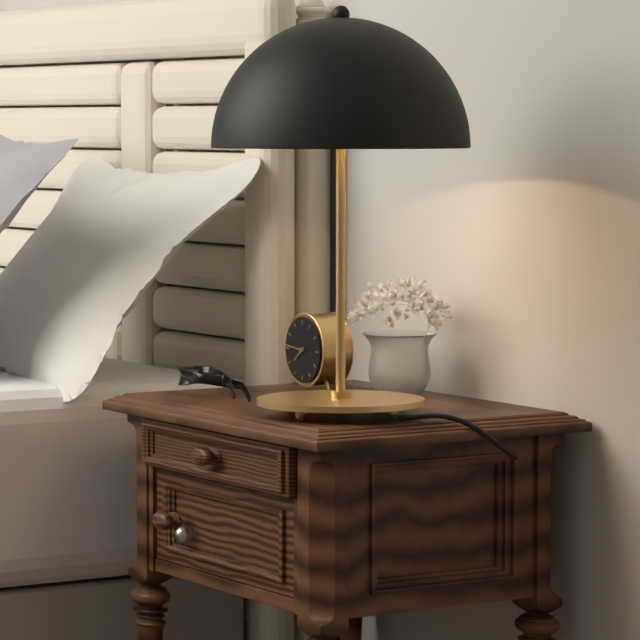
7:46
